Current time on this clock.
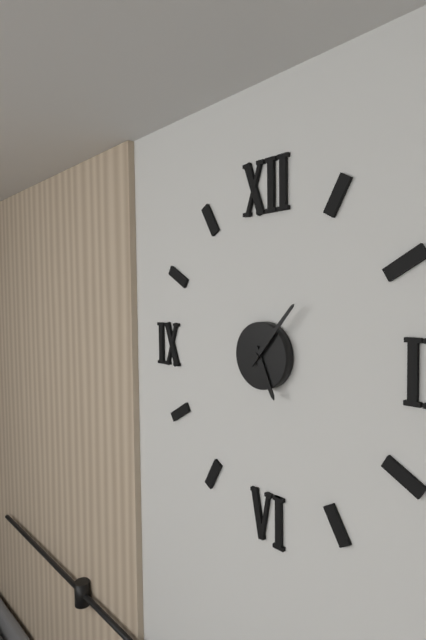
5:07
